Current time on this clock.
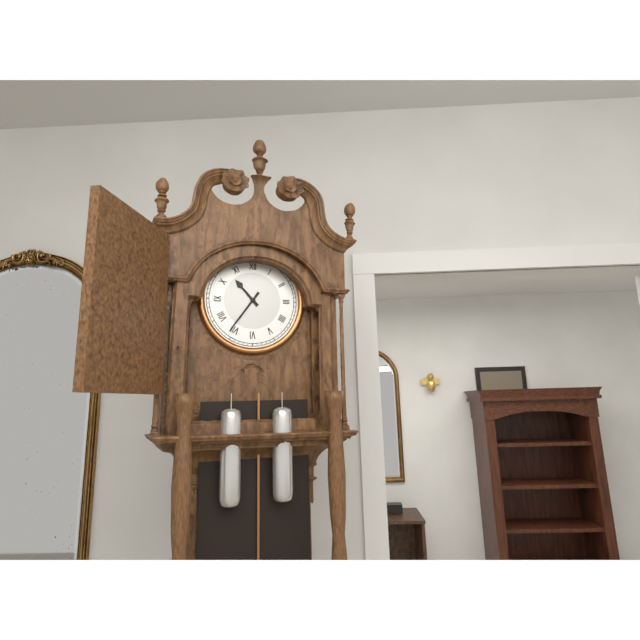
10:36
